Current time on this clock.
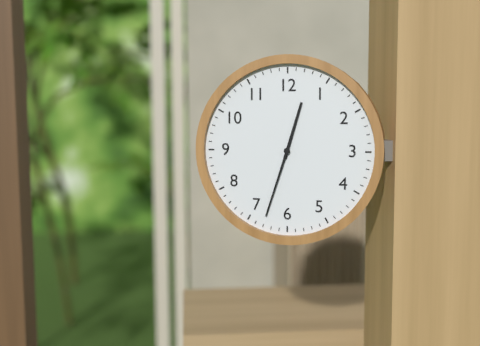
12:33
